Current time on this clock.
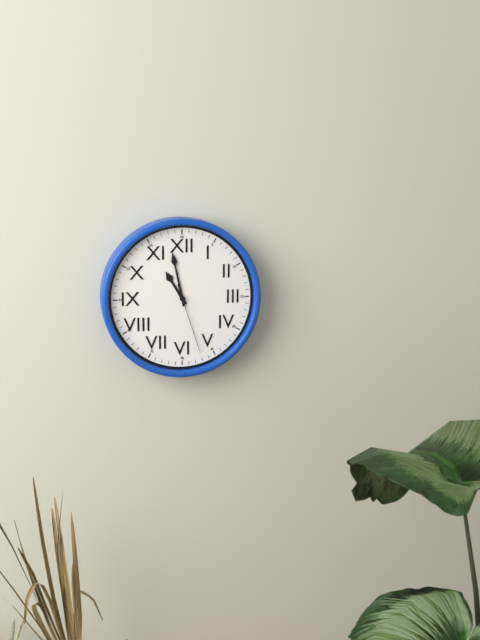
10:58:27
